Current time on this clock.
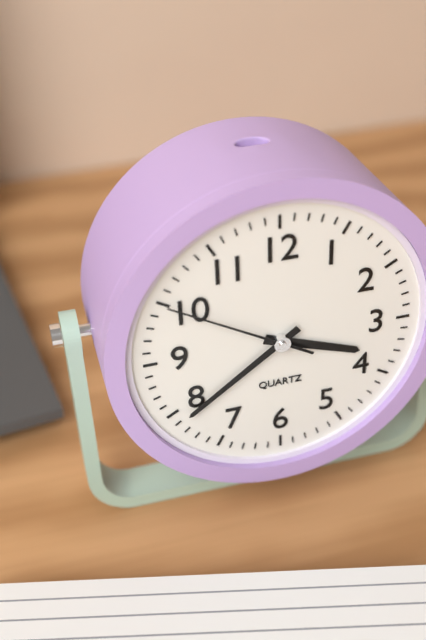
3:39:50
